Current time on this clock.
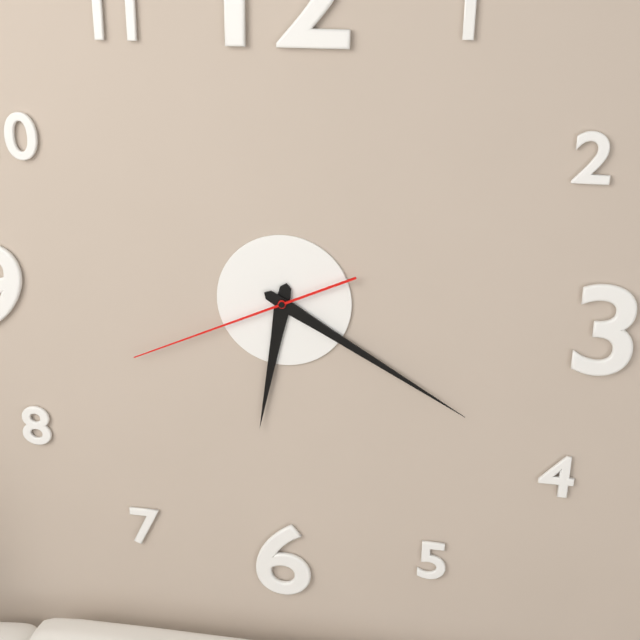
6:20:41
